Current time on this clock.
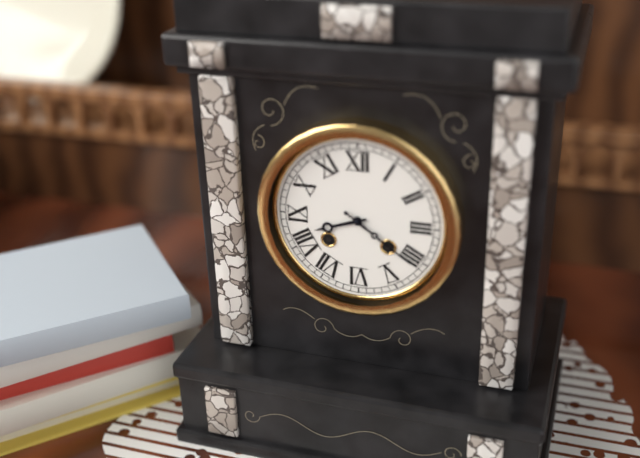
8:21
